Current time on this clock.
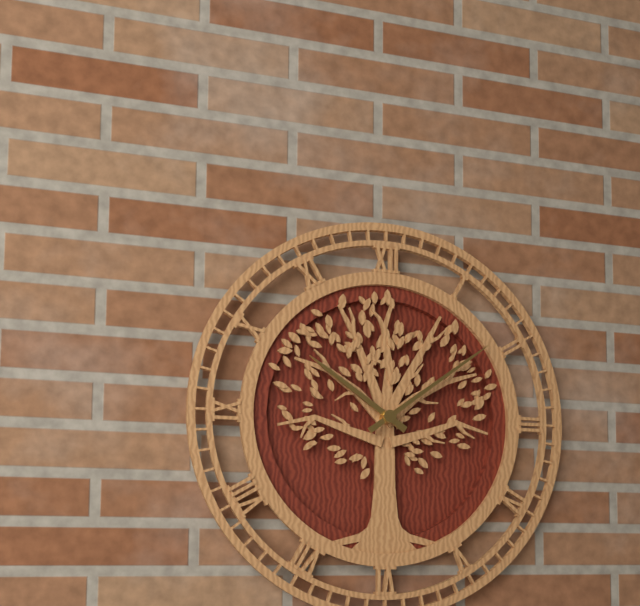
10:09
